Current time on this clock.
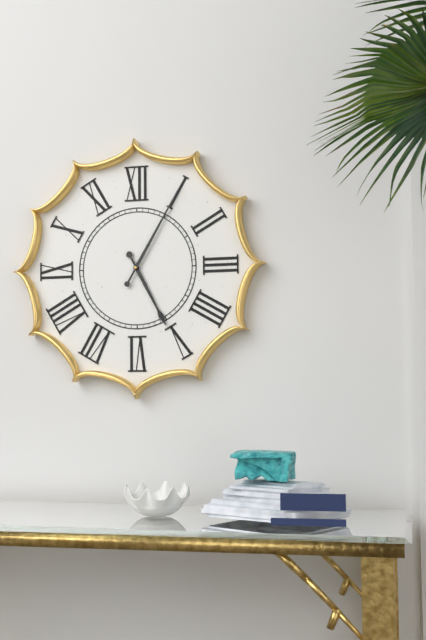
5:05
